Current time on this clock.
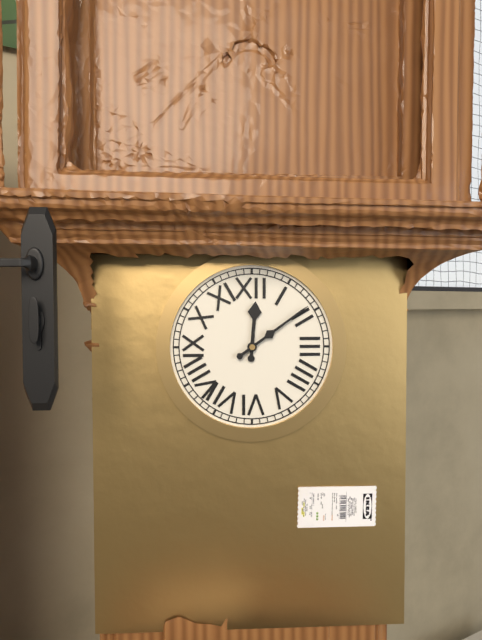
12:09
